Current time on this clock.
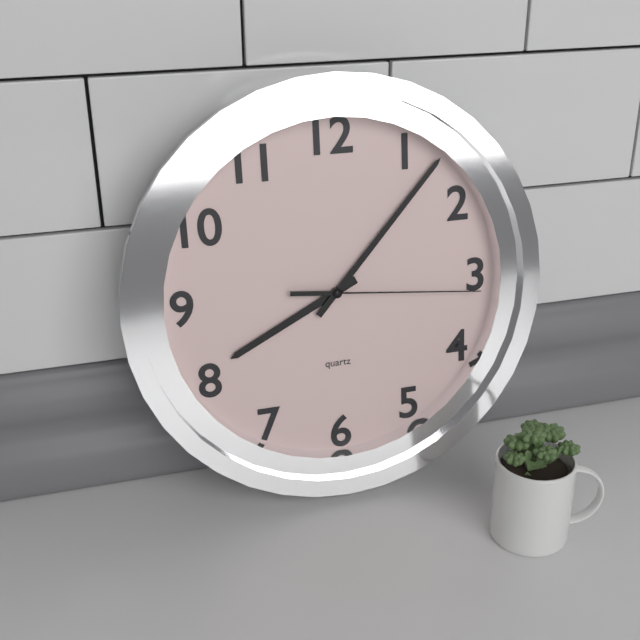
8:07:16
